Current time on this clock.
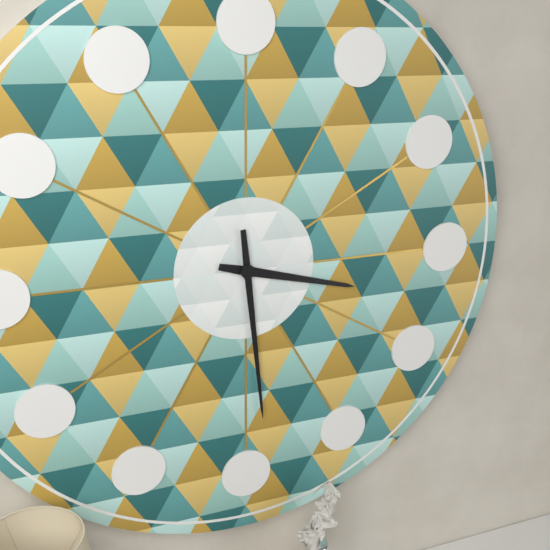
3:29
